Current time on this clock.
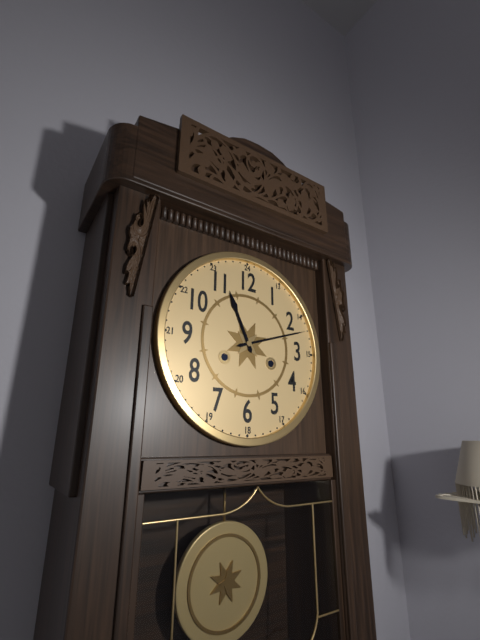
11:12
